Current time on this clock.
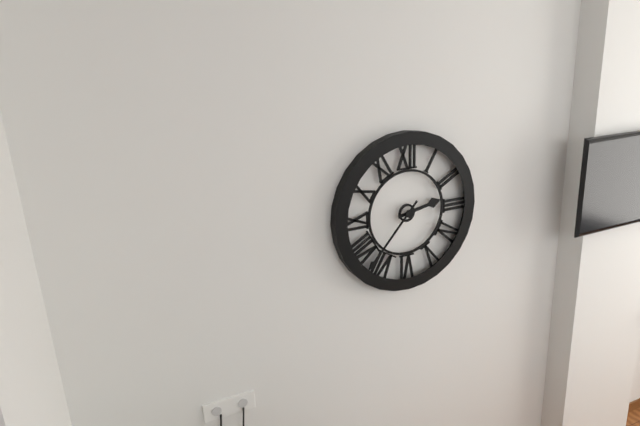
2:37
